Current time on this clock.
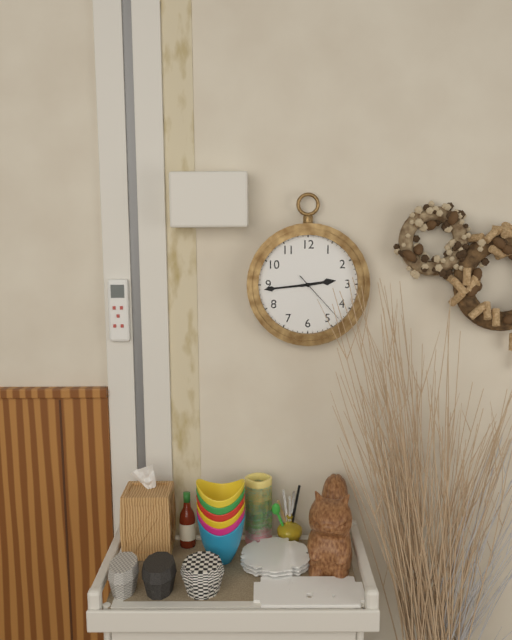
2:44:23
